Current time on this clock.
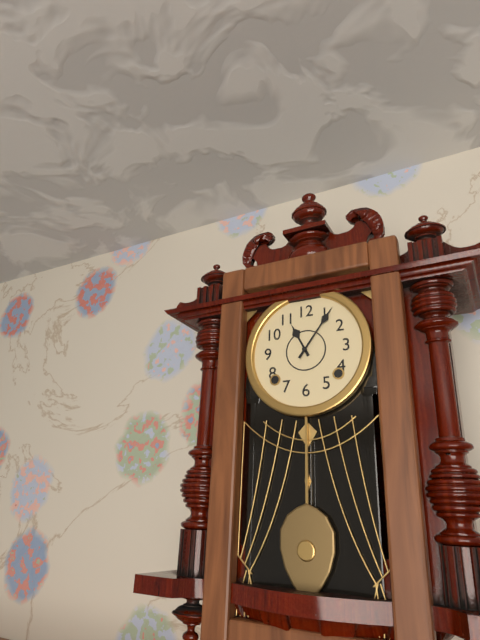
11:06
